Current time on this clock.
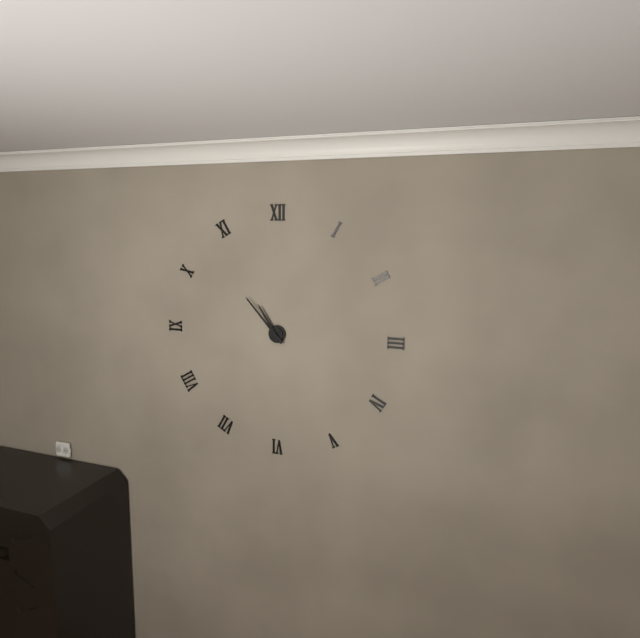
10:53
